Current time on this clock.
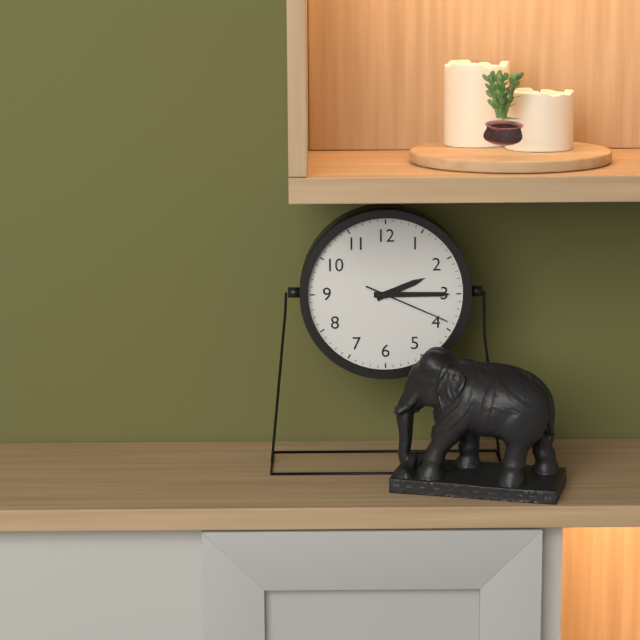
2:15:19
